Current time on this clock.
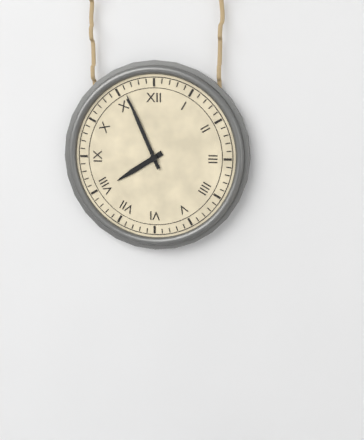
7:56
